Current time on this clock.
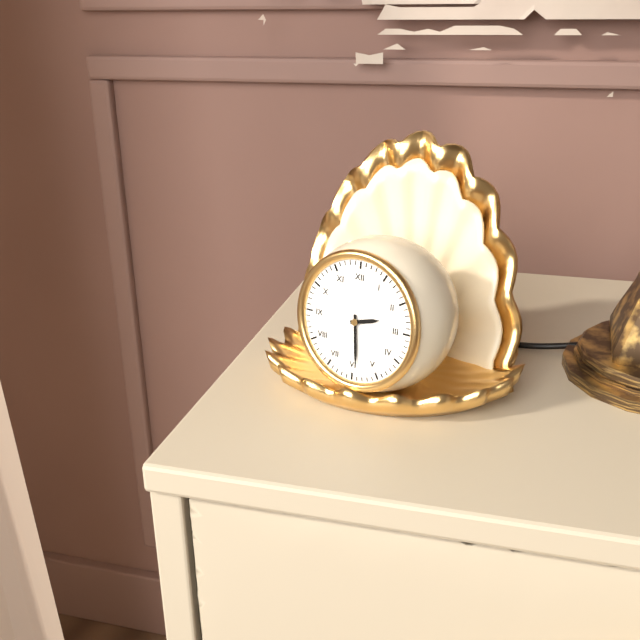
2:29
